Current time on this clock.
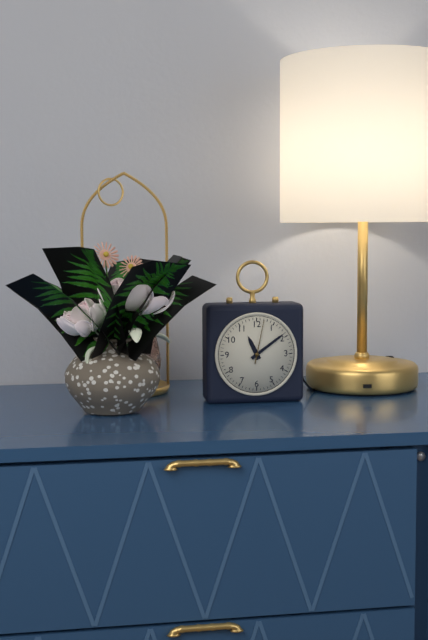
11:09
